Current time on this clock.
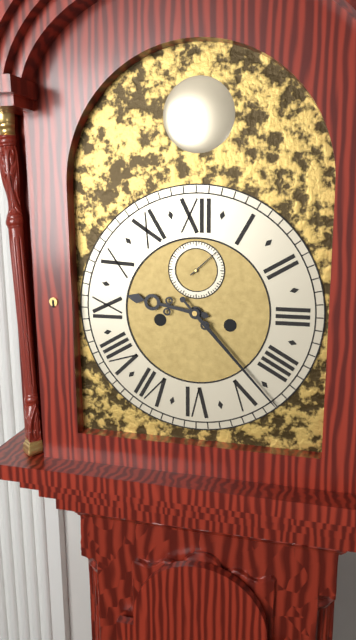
9:23
